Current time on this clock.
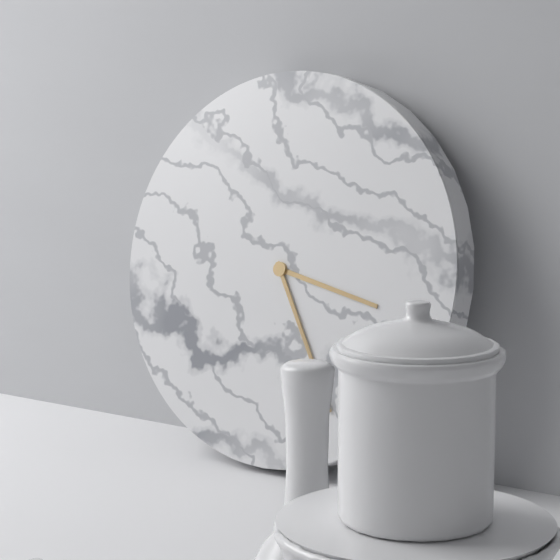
3:25
